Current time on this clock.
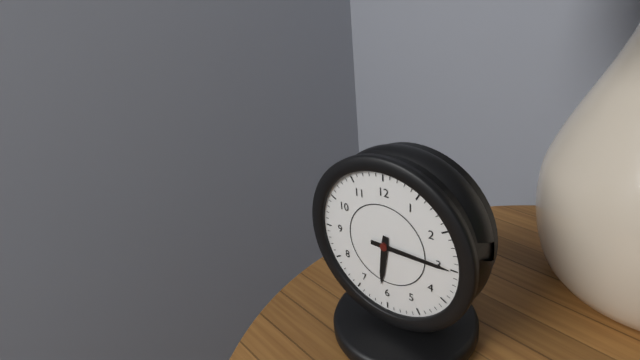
6:15
